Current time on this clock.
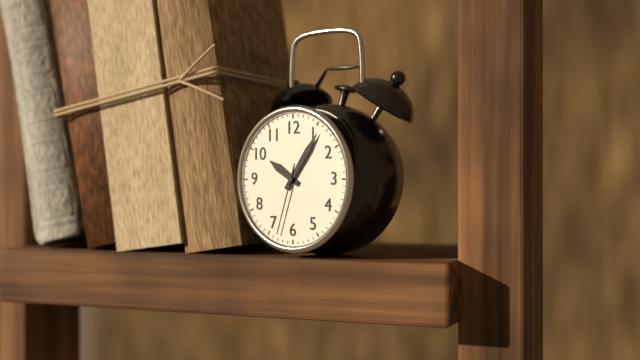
10:06:33
